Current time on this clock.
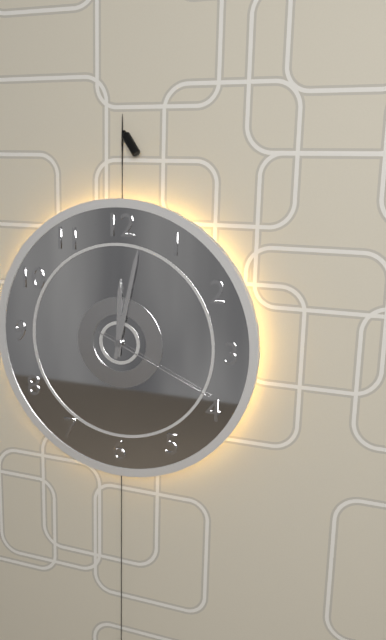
12:02:19
